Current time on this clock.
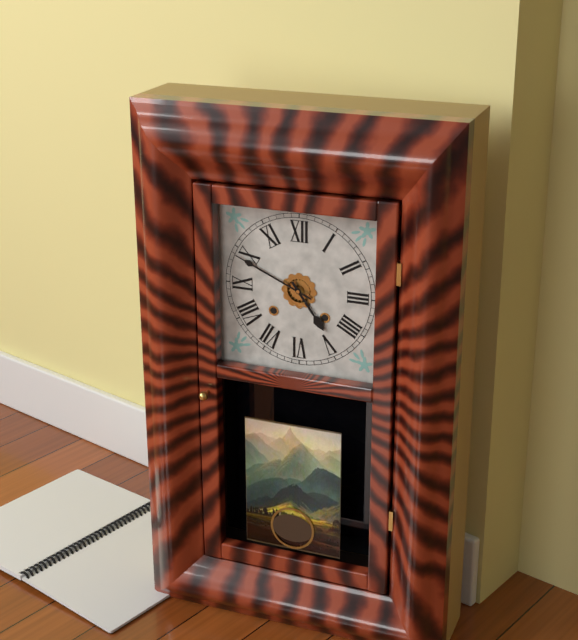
4:49
